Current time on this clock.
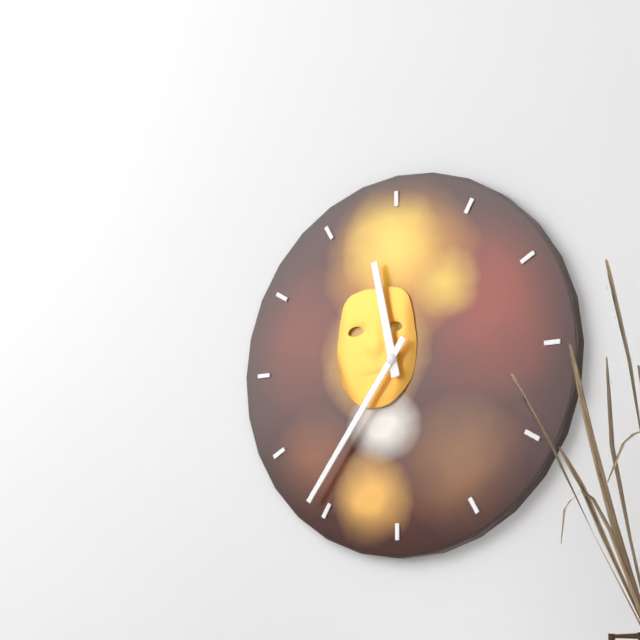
11:36
